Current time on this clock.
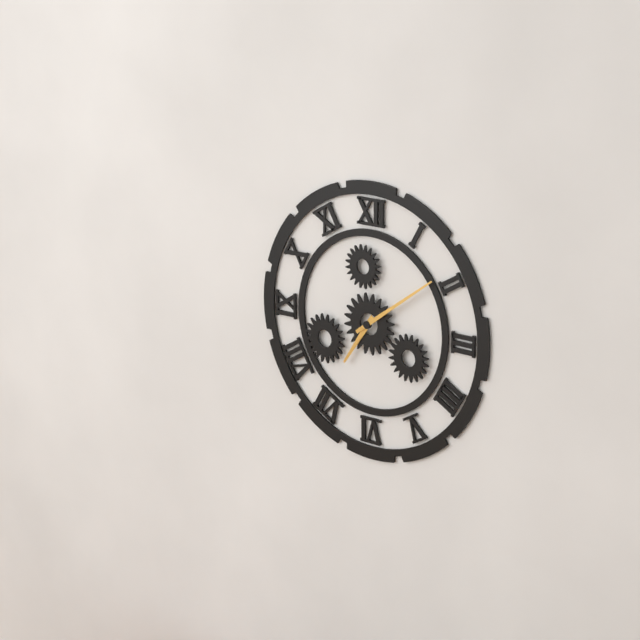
7:09
